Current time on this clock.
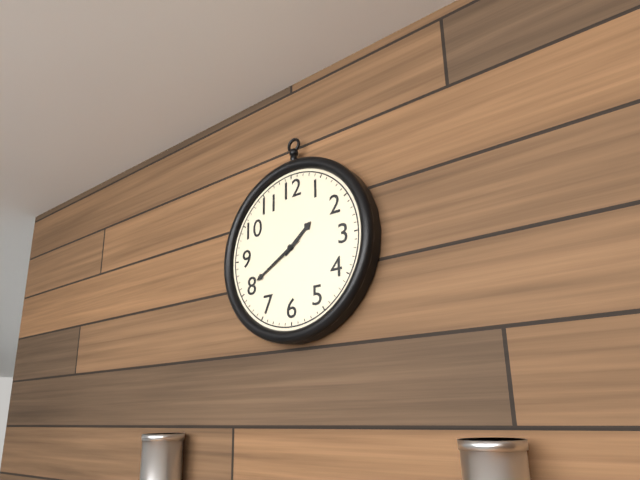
1:40
